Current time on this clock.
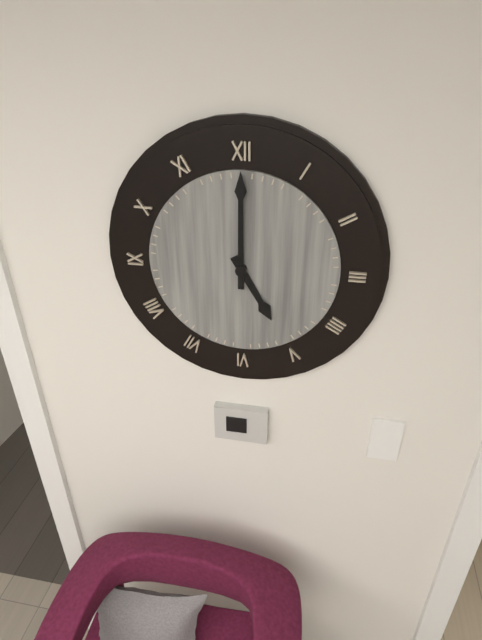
5:00
